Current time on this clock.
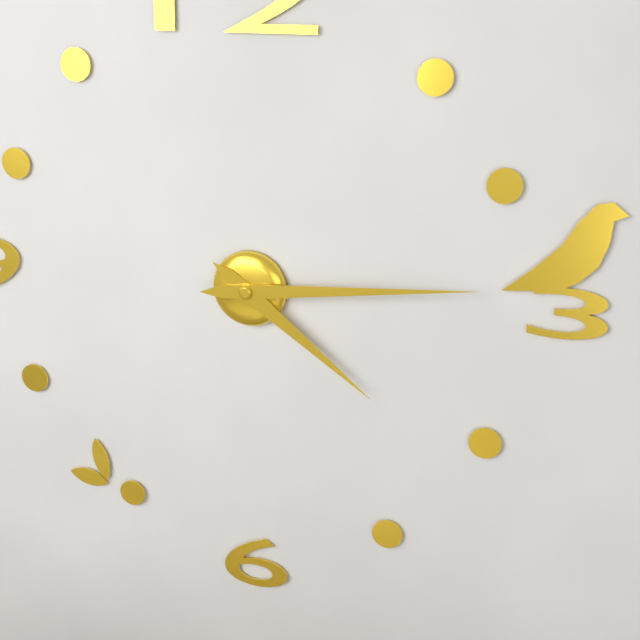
4:14
